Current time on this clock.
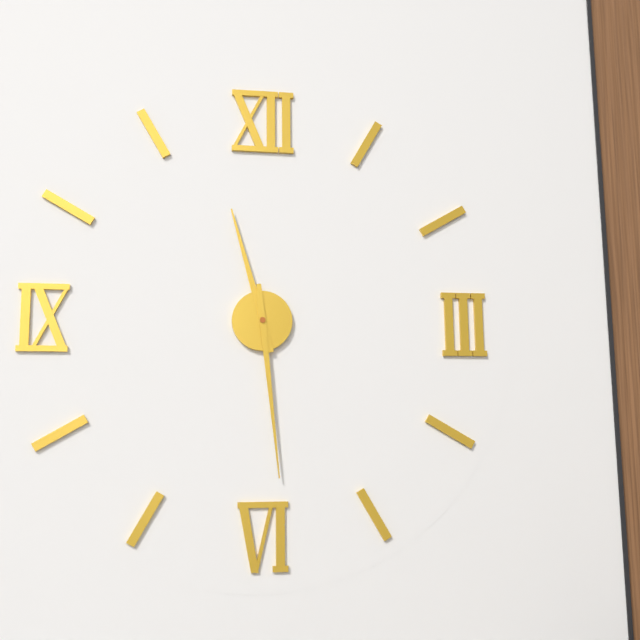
11:29
